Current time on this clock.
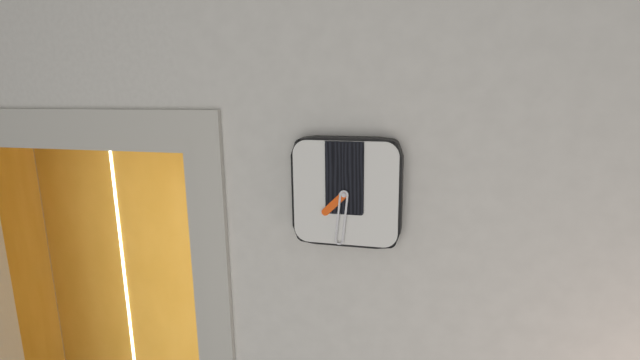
7:31
